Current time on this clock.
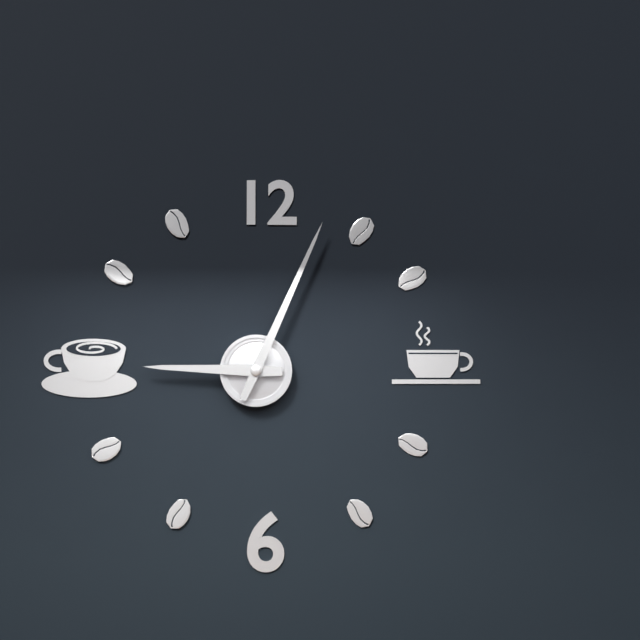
9:04
